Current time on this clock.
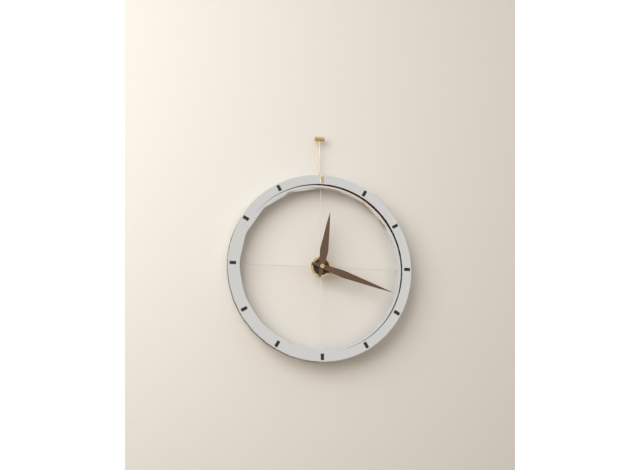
12:18
